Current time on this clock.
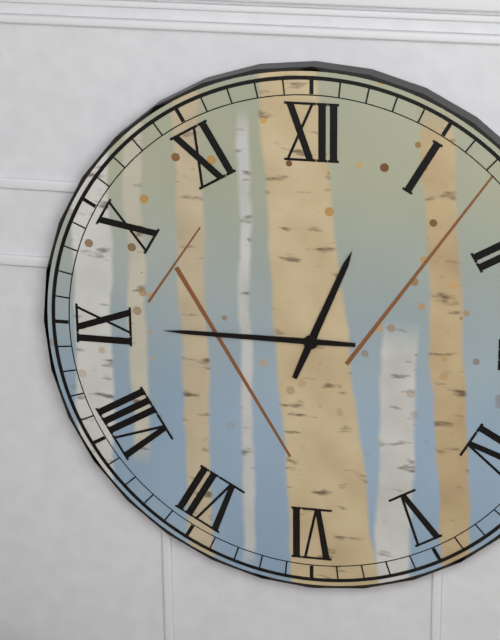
12:45
